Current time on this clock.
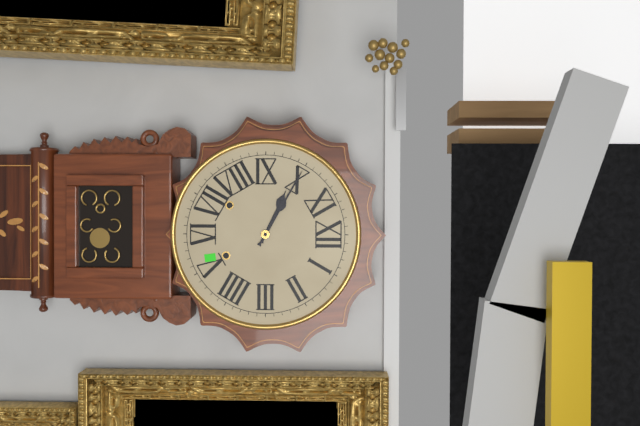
9:50
